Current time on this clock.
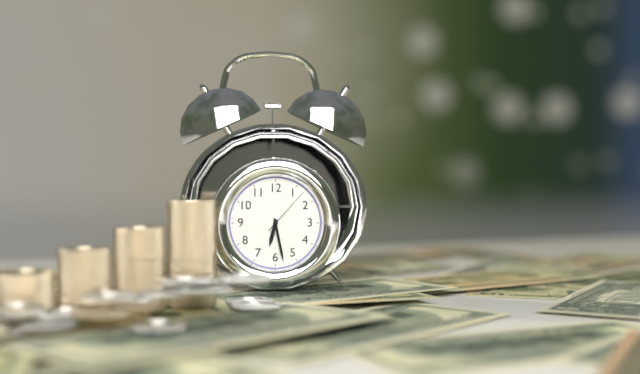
6:28:07
